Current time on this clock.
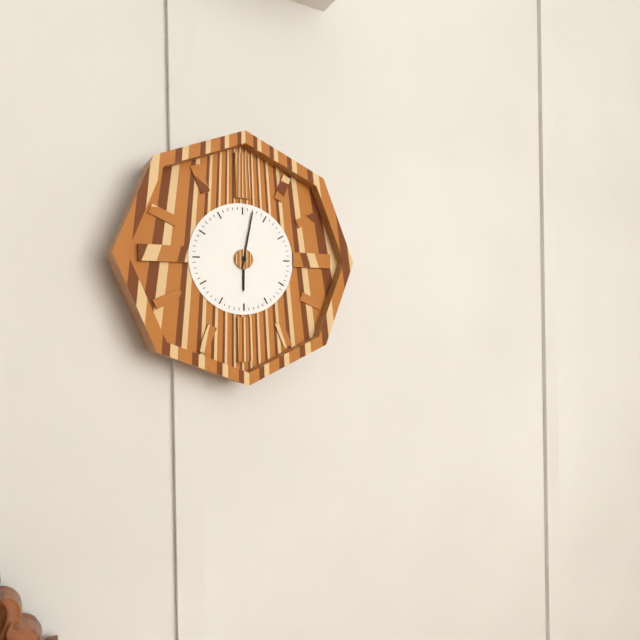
6:02
